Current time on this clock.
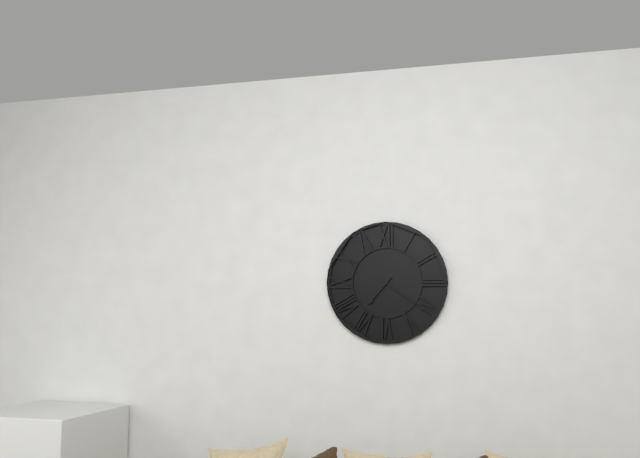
7:21
